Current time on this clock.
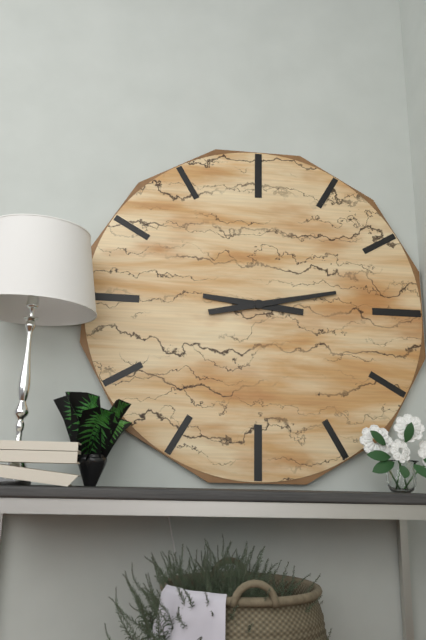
9:13
